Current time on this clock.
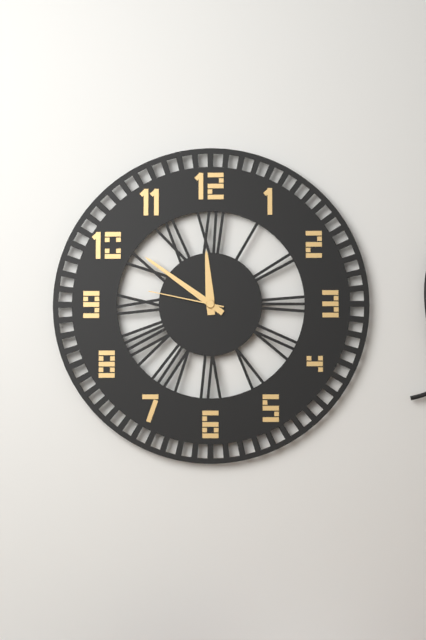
11:51:47
